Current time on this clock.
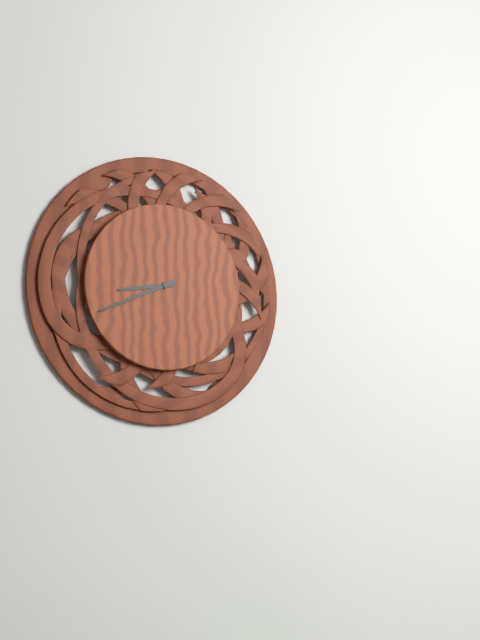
8:41
